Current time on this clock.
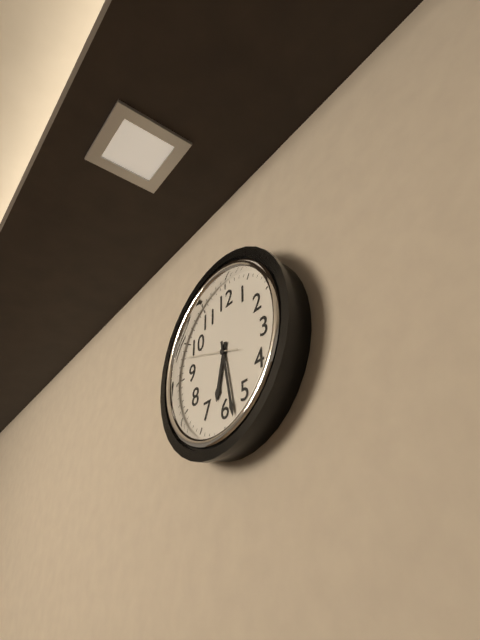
6:28
